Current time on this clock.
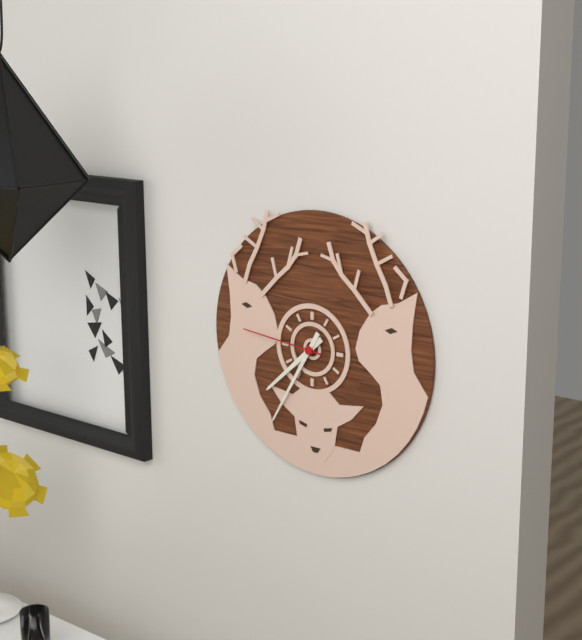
7:35:46
